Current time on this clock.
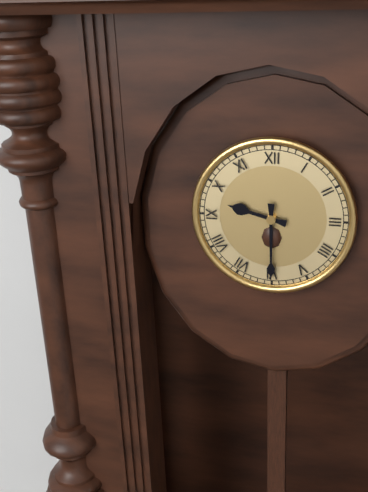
9:30
